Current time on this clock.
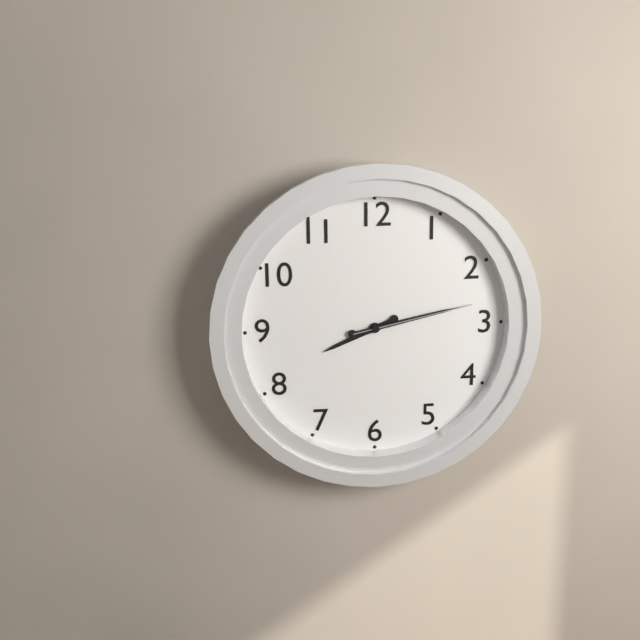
8:13:13
